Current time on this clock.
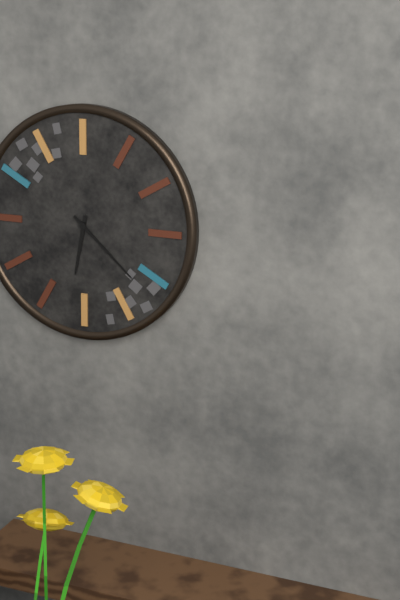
6:22
